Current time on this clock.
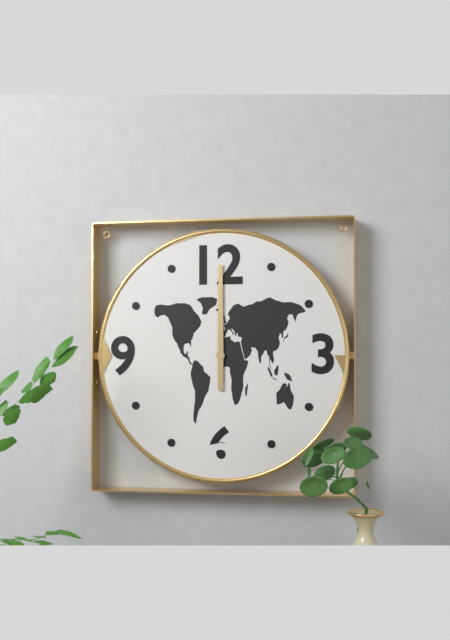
12:00
